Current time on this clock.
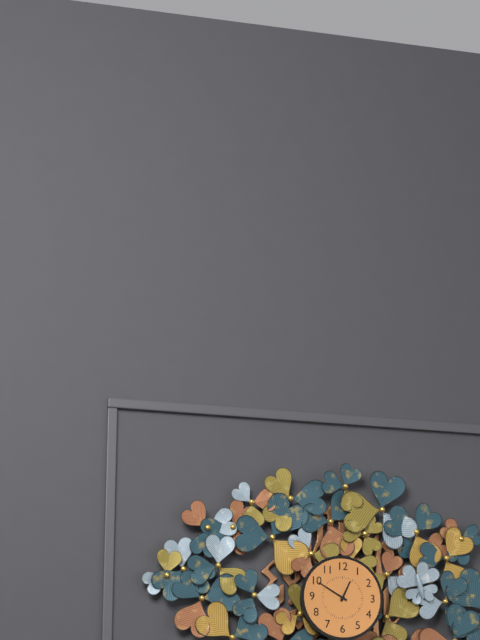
12:50
